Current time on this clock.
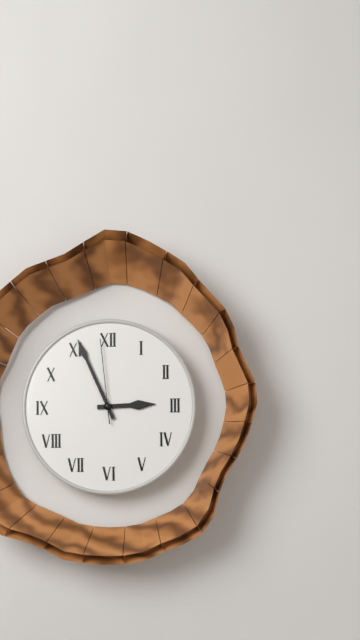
2:56:59
